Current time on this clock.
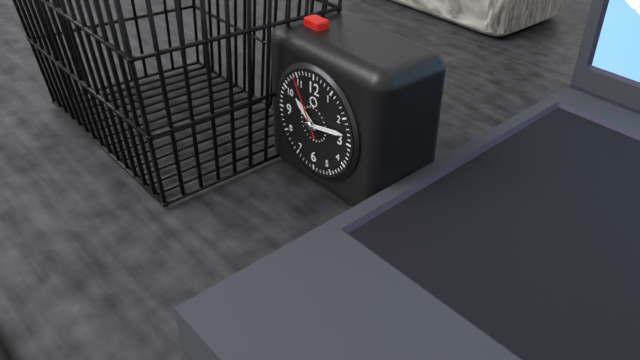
10:13:55
